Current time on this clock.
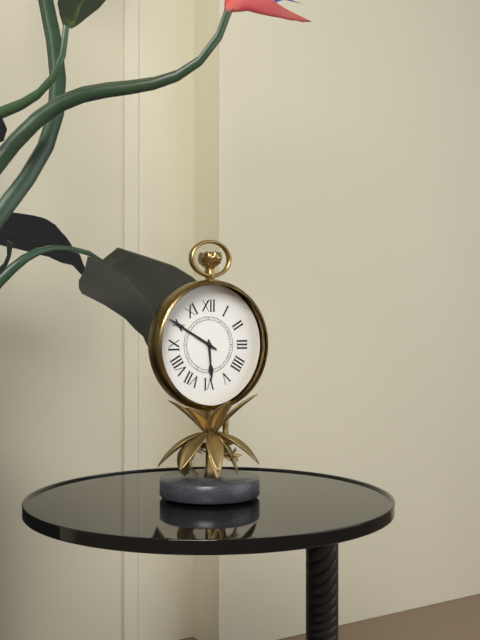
5:50
